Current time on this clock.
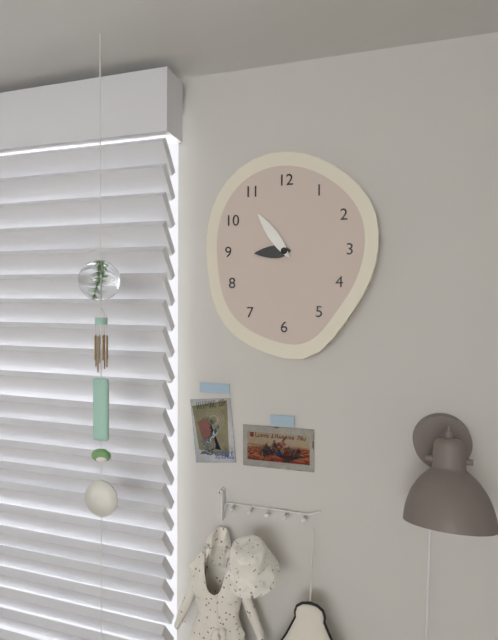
8:54
